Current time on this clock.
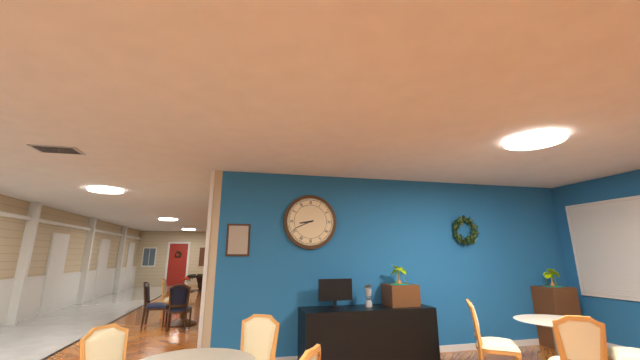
8:41
